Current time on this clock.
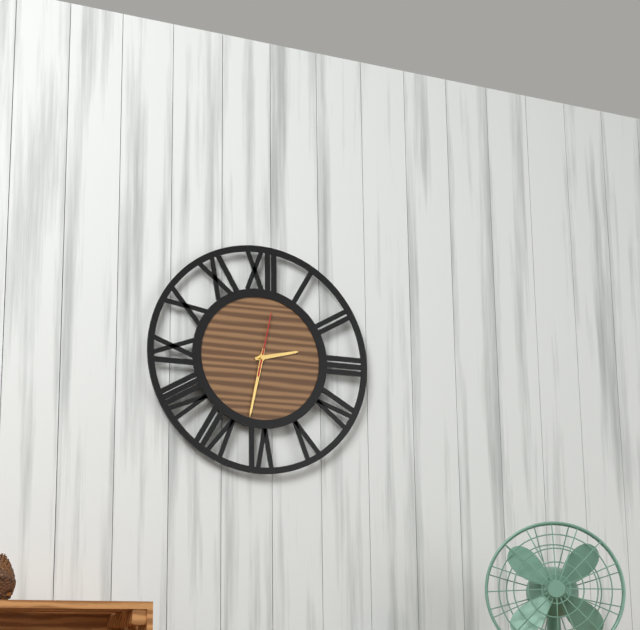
2:32:02
